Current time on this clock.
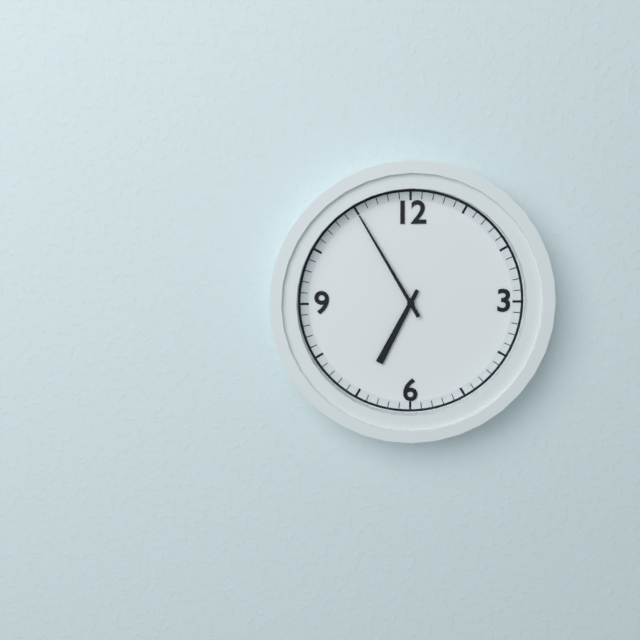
6:55
